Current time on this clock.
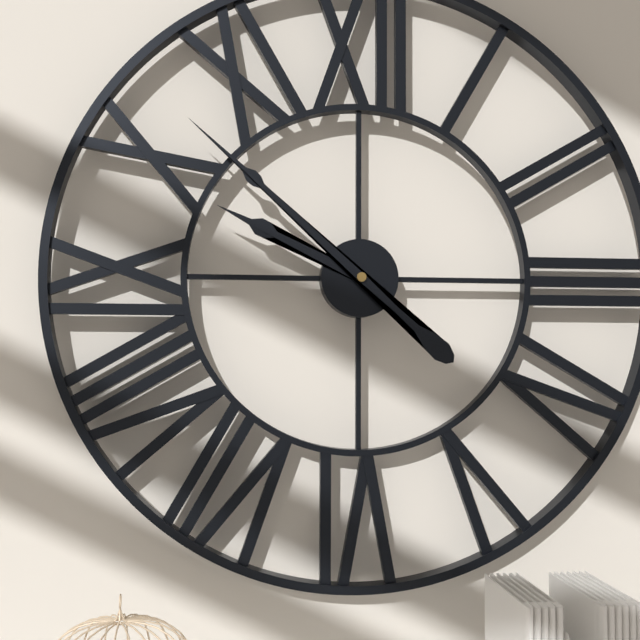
9:52
